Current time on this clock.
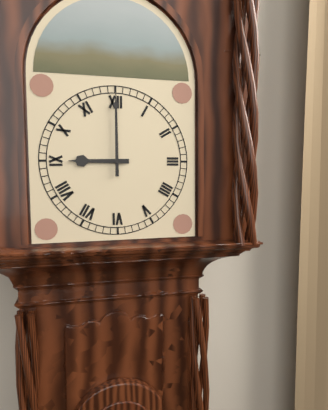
9:00
